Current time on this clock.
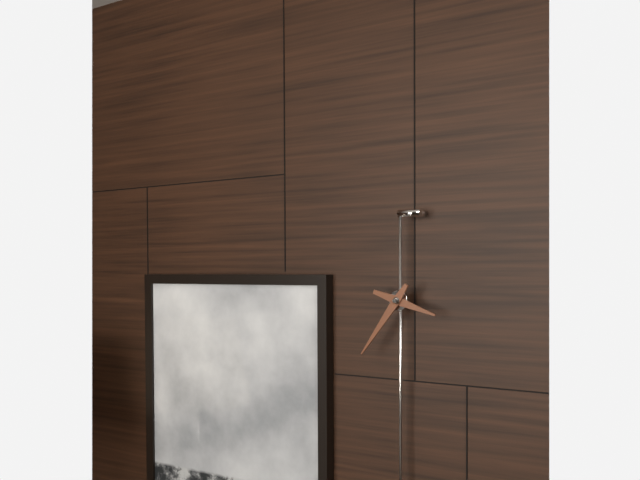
3:36
